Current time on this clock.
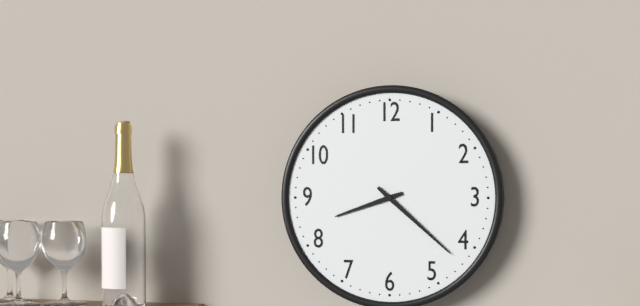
8:22
